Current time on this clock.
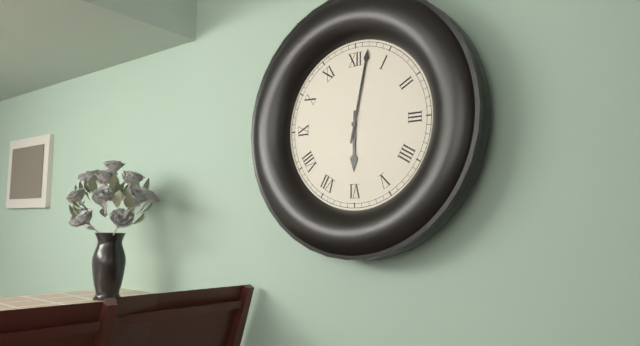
6:02
